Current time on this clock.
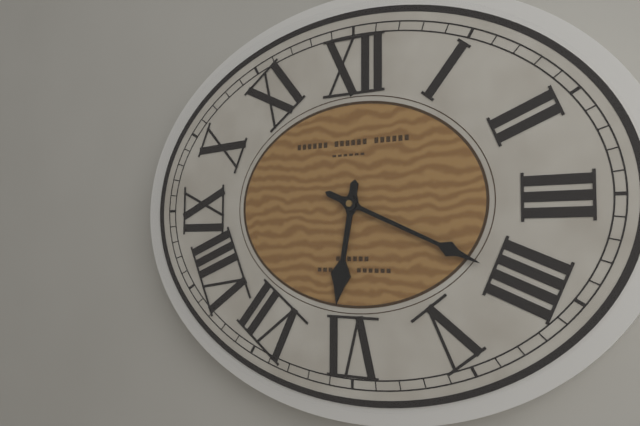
6:19
